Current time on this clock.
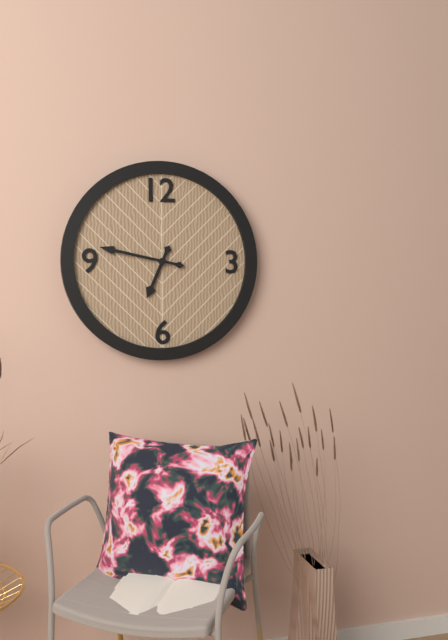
6:47
